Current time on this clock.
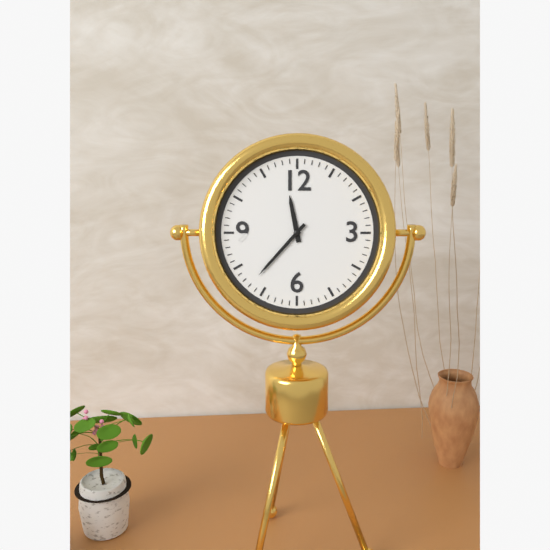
11:37
